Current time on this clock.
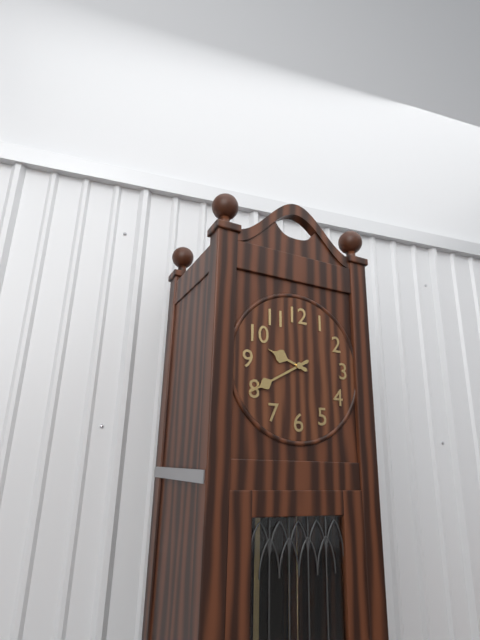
9:40
